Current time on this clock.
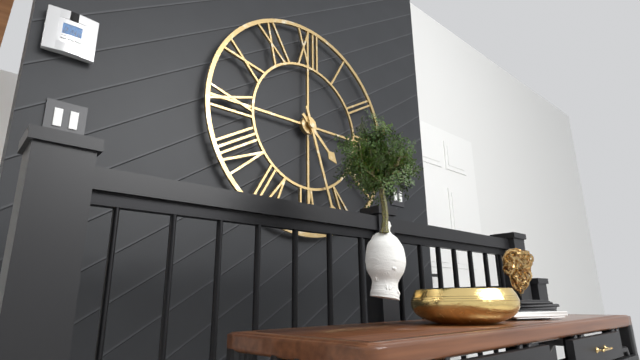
4:27
